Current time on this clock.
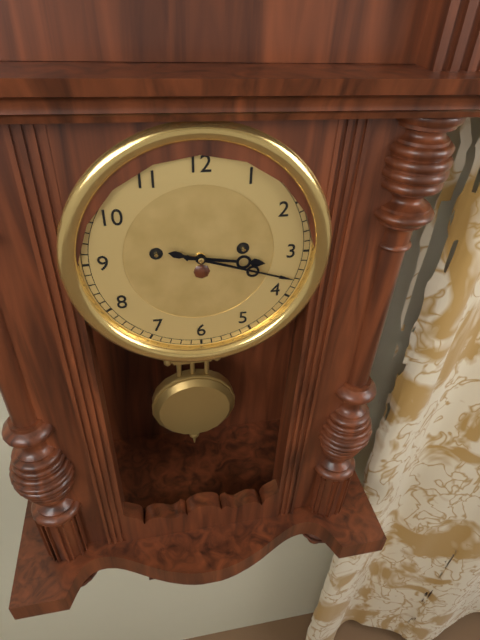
3:18
